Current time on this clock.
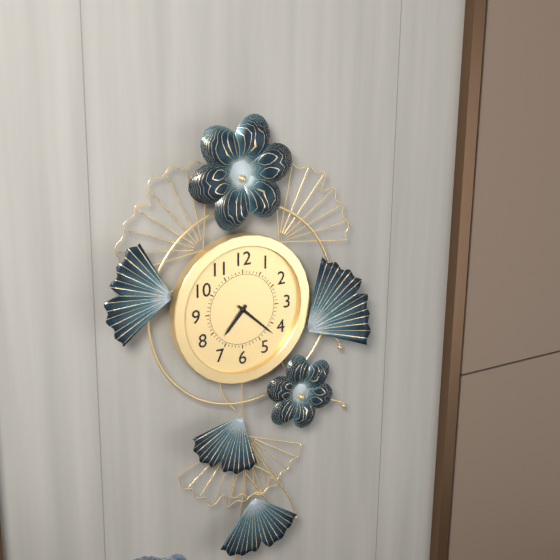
7:22
